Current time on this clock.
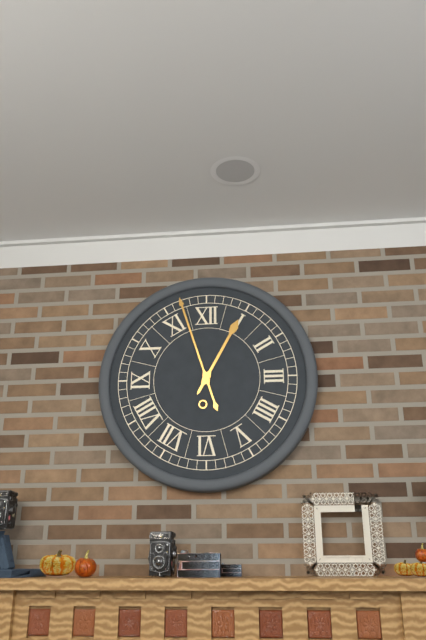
12:57
